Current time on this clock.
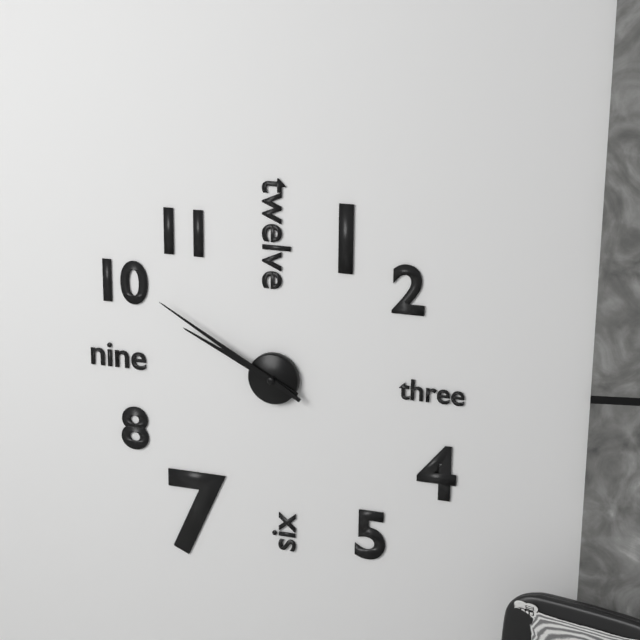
9:50
